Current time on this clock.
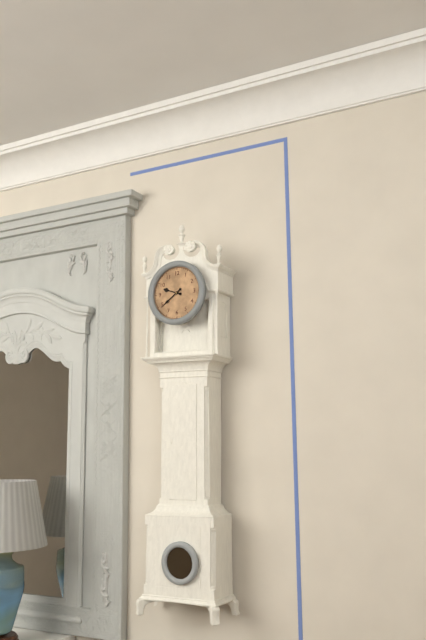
9:39
